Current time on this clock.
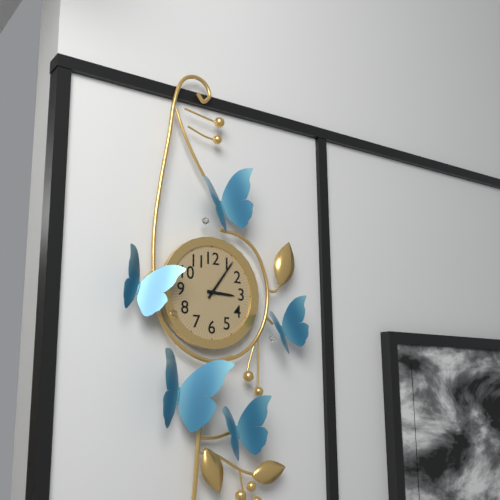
3:06
